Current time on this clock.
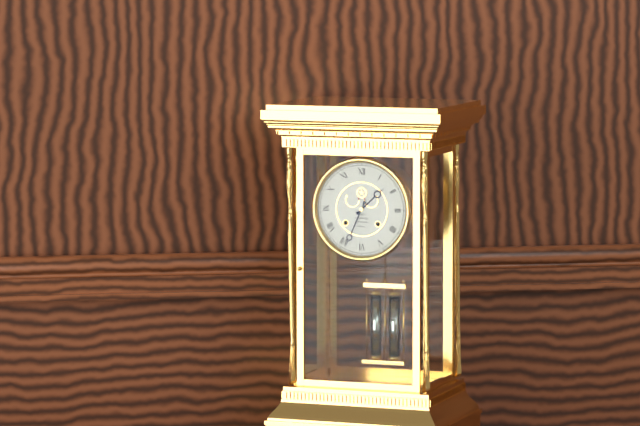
1:34
